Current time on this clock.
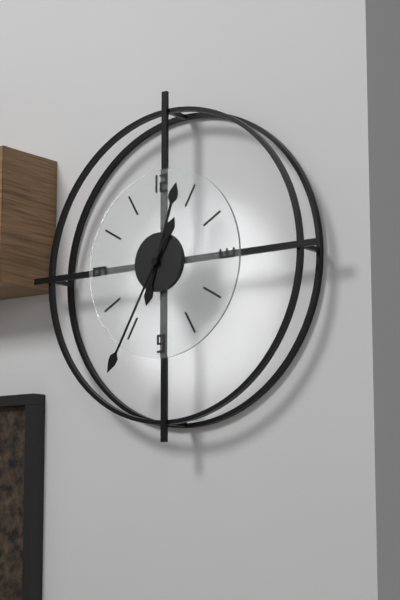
12:35
